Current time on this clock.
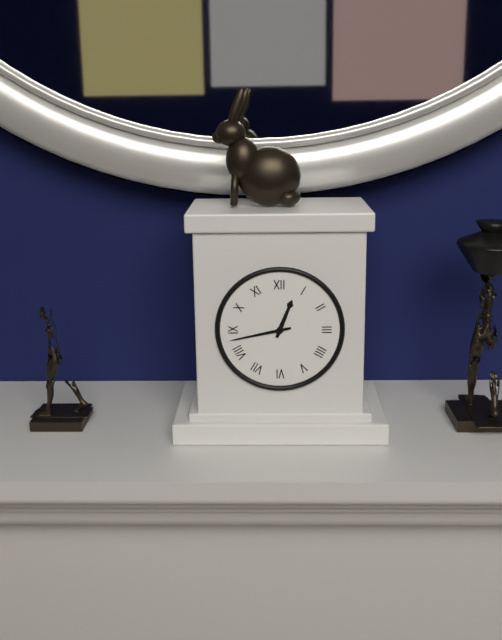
12:43
